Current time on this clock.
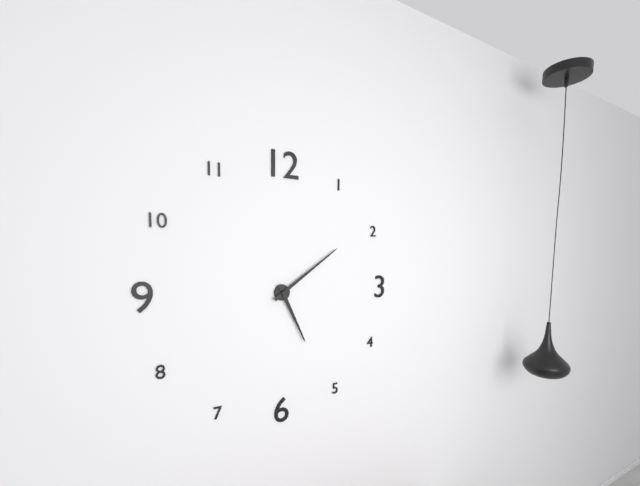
5:09
